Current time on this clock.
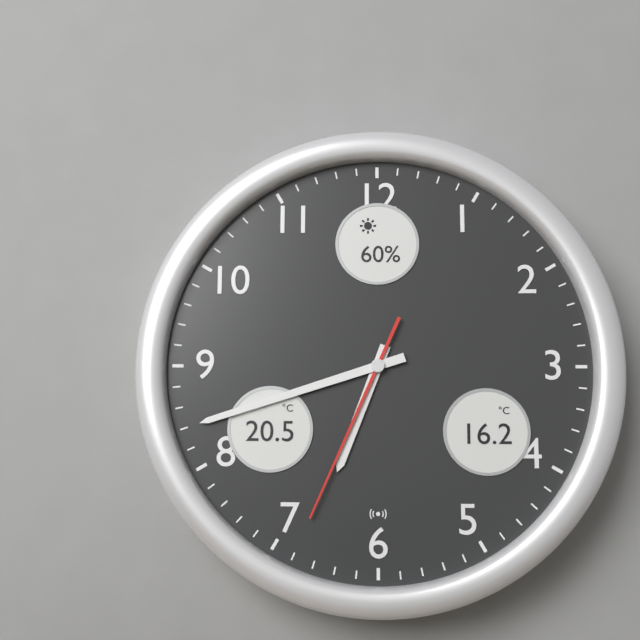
6:42:34
